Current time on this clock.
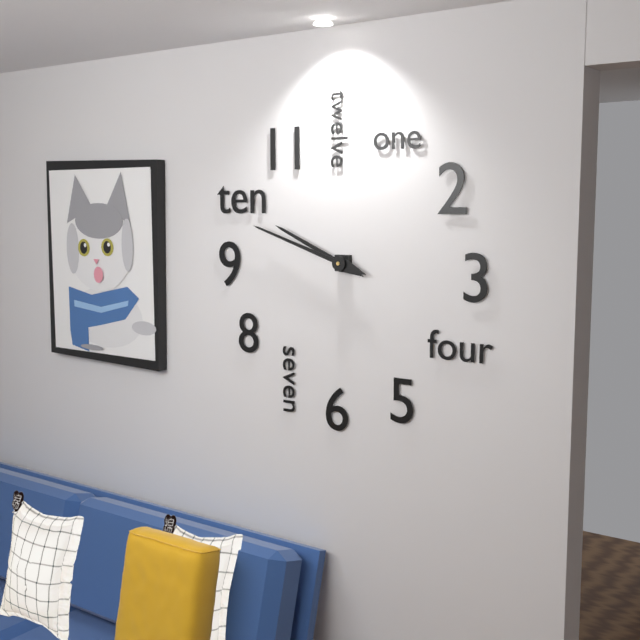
9:48
